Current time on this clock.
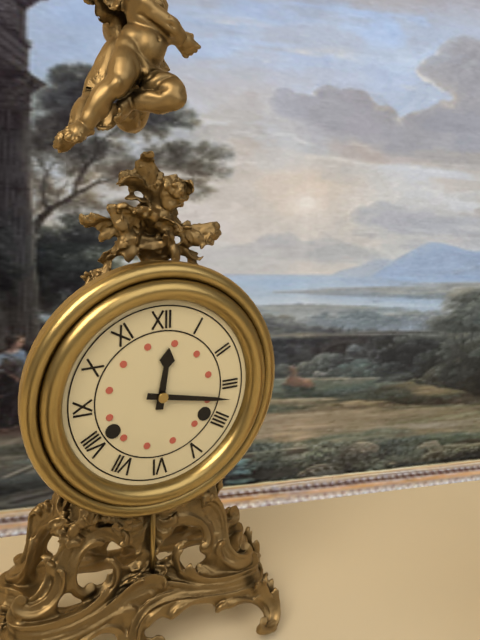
12:17
